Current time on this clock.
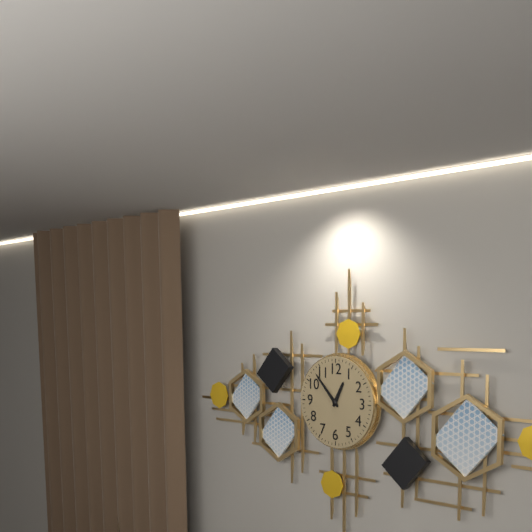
12:53
